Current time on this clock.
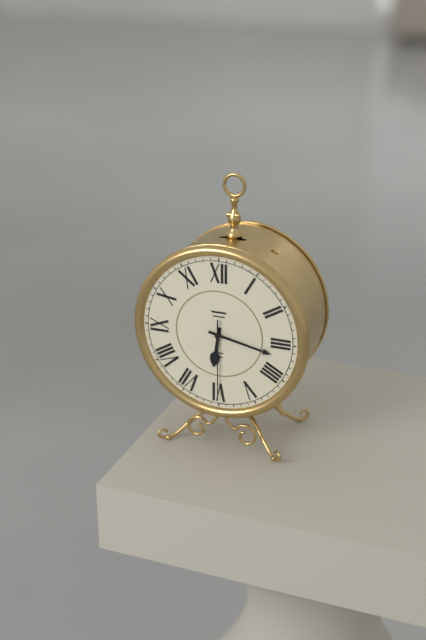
6:17:30
